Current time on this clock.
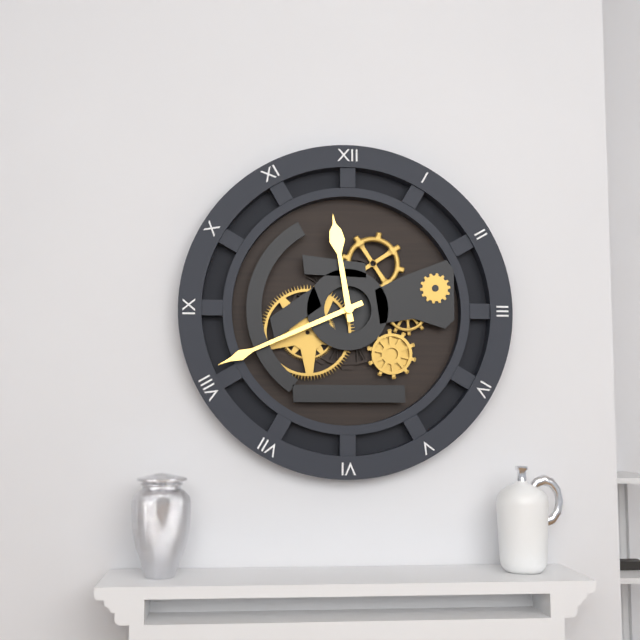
11:41
